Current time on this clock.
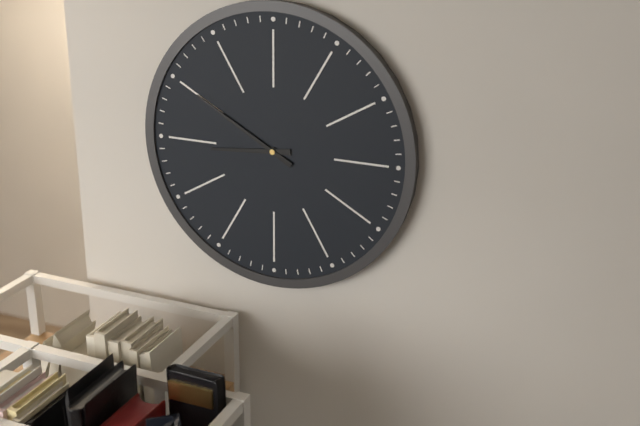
8:50
